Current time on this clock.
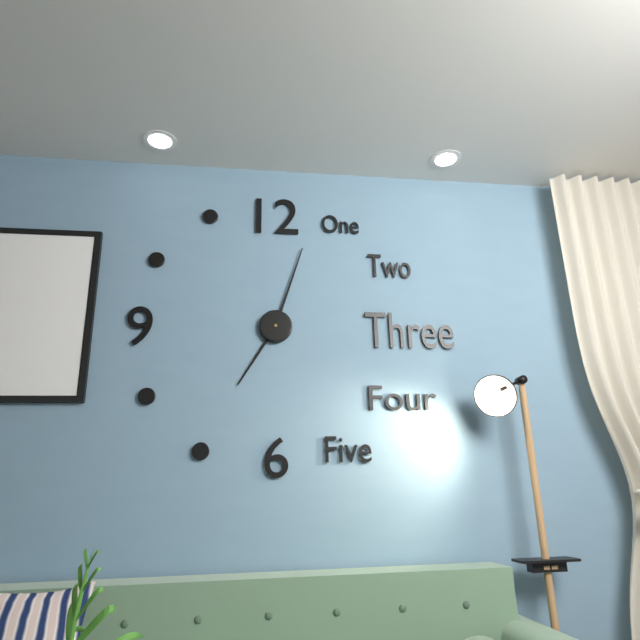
7:03
